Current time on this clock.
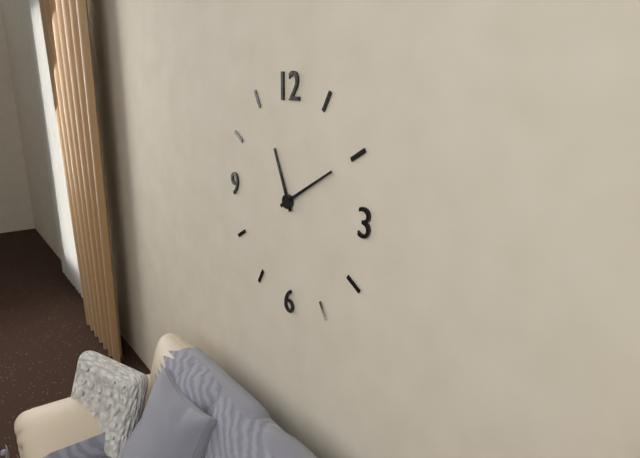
11:10
